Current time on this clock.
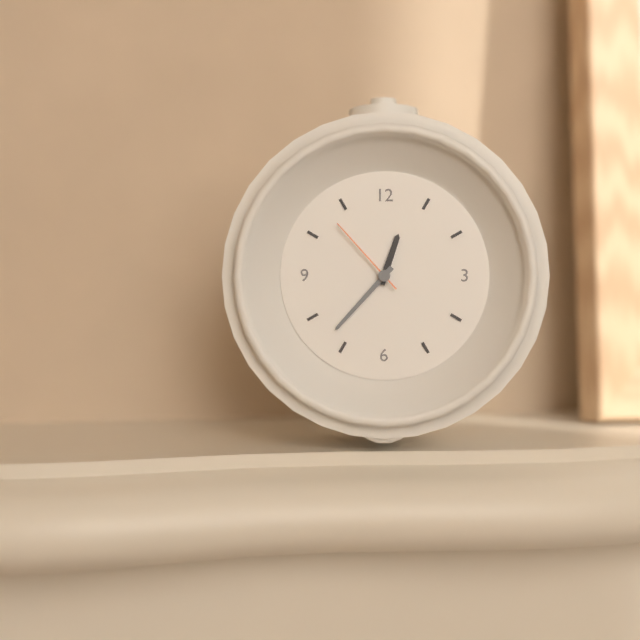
12:37:53
